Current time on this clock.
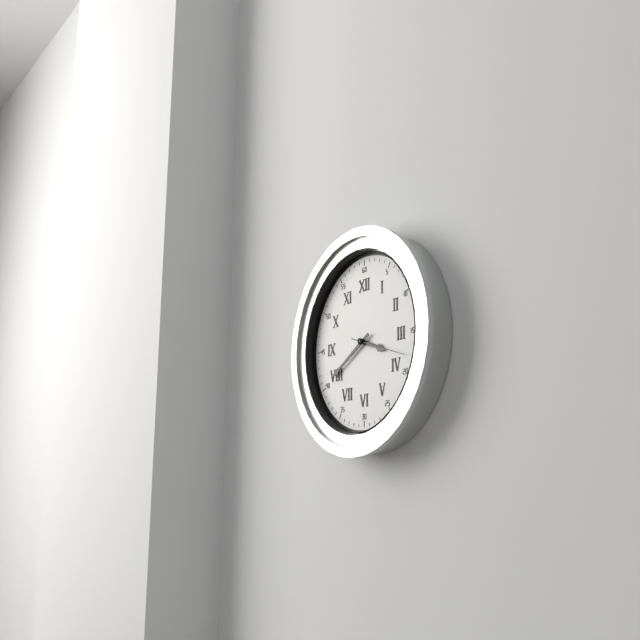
3:40
